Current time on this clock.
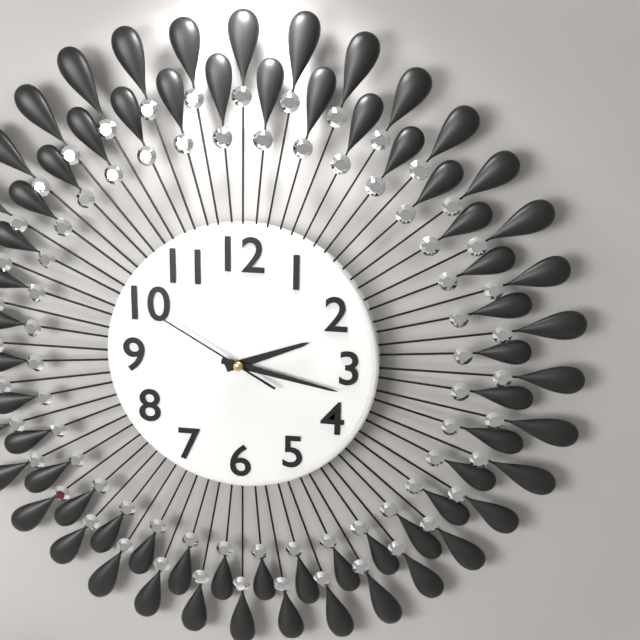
2:17:50
